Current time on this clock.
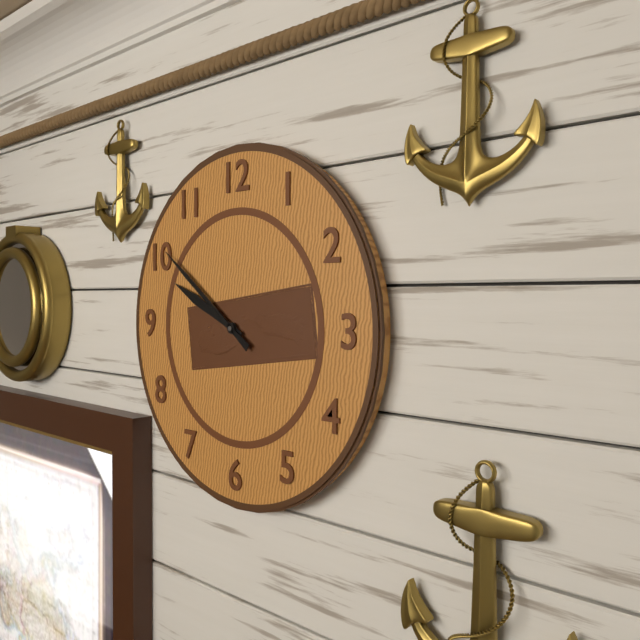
9:51
